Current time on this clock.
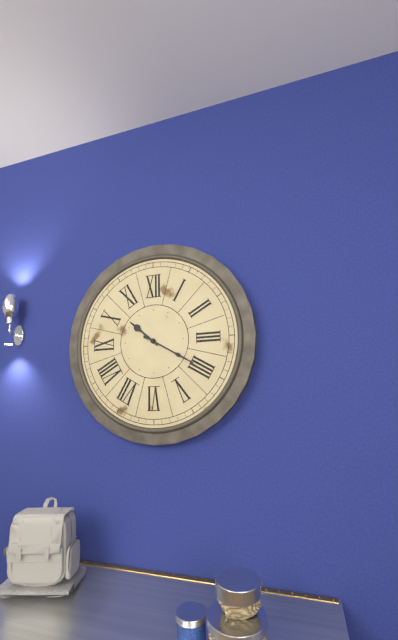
10:20
